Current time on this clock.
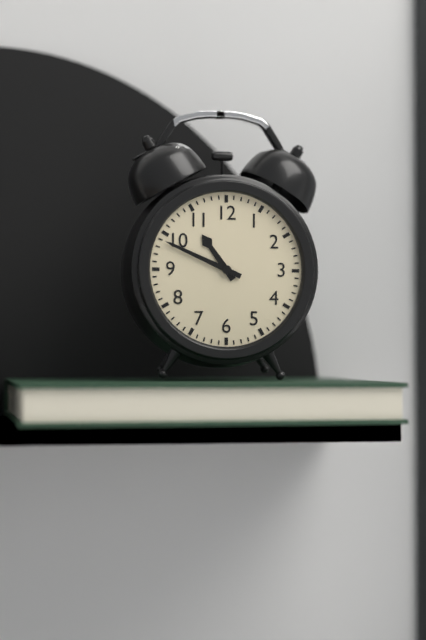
10:49
